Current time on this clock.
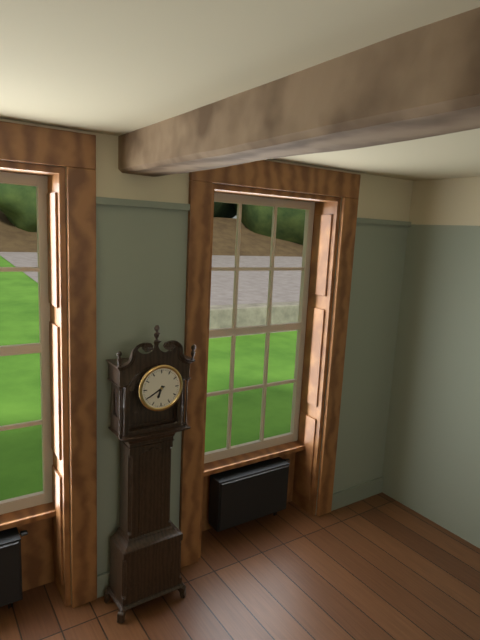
6:40
